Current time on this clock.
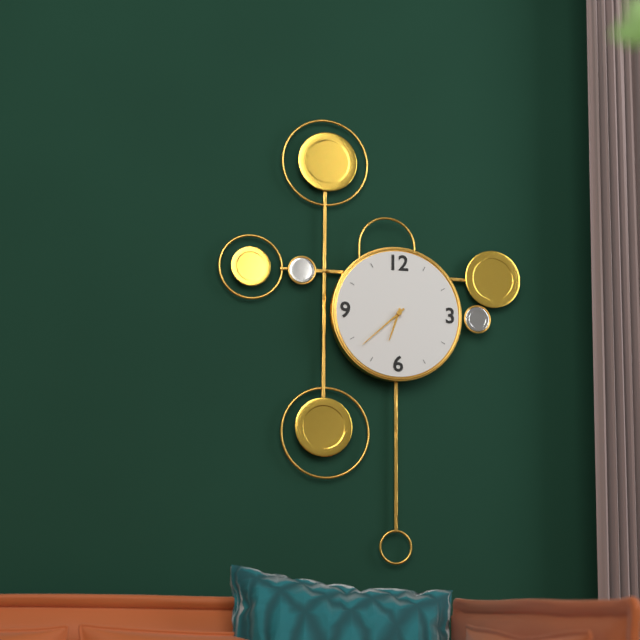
6:38
